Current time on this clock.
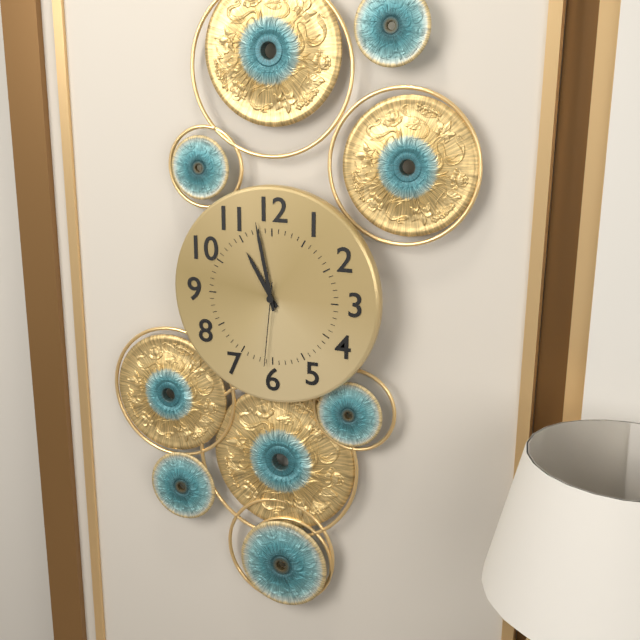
10:58:31
